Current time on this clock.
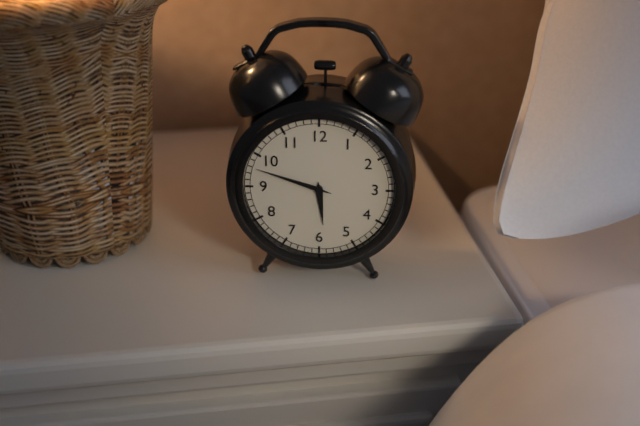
5:48
